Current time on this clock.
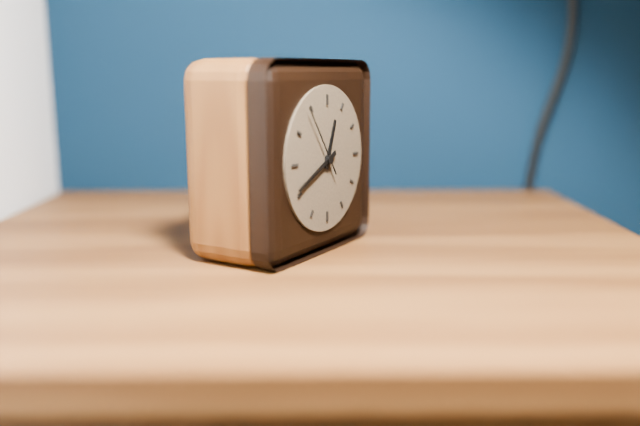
12:41:54
